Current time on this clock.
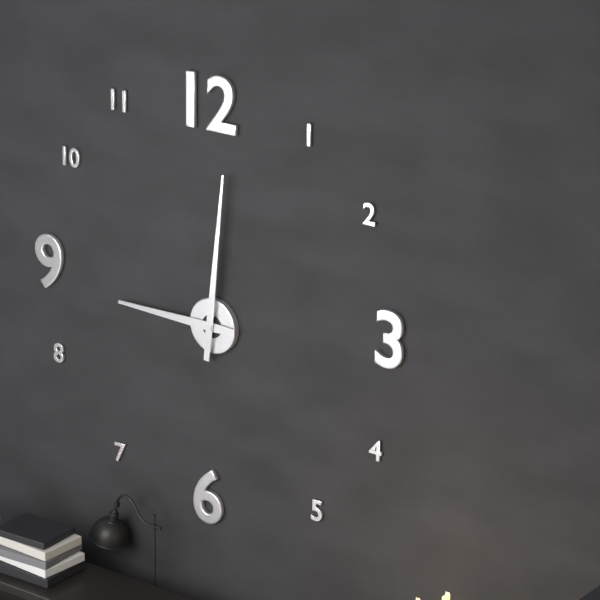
9:01
